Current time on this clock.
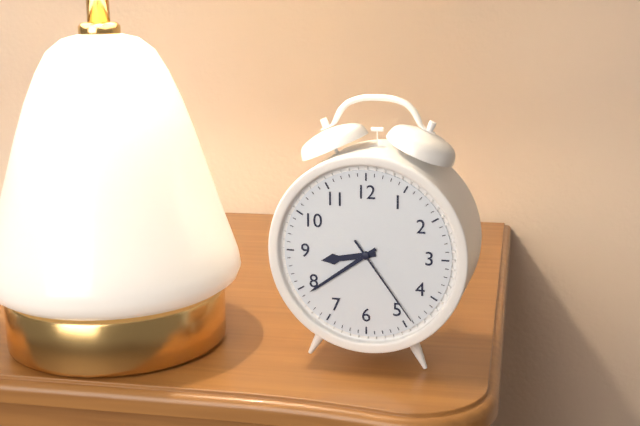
8:39:24
